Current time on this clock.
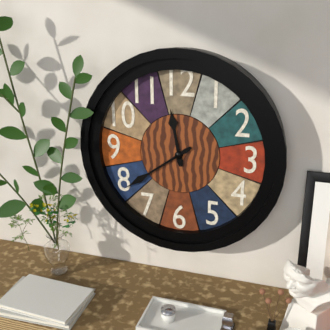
11:39
